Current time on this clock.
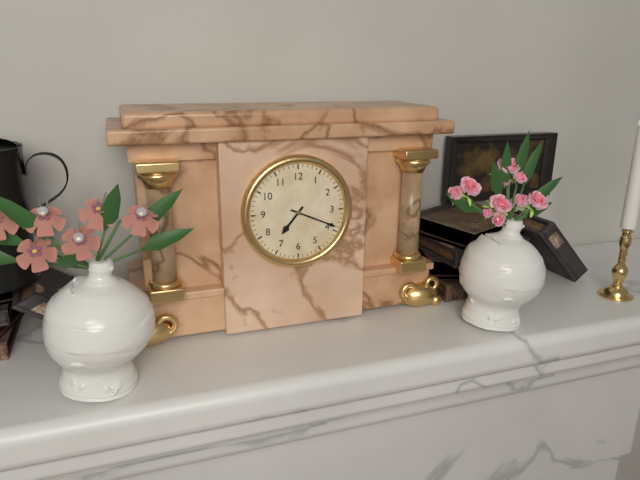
7:19
